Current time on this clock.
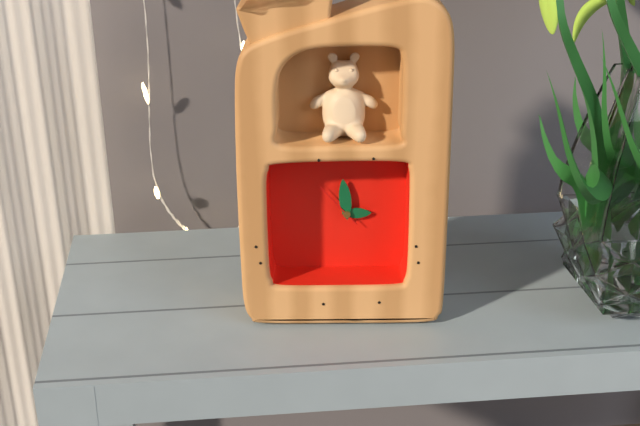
2:59
